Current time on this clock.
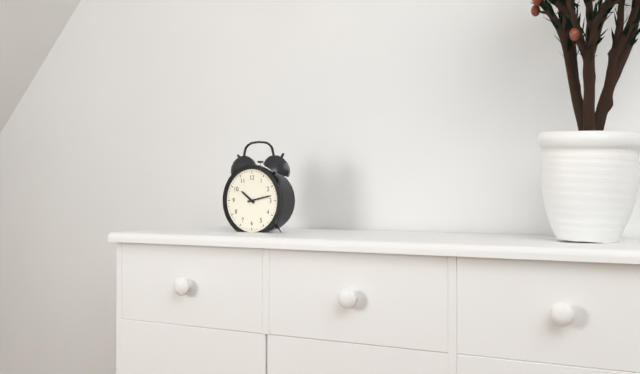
10:13
